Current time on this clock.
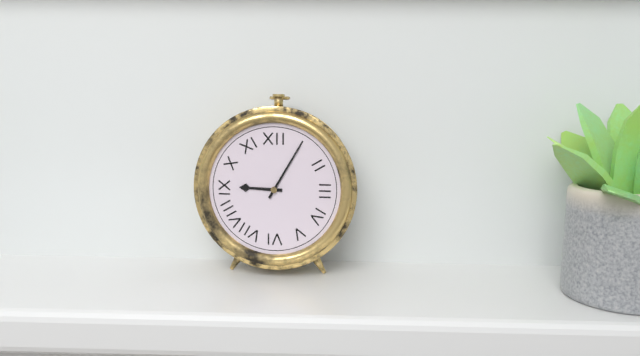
9:05
